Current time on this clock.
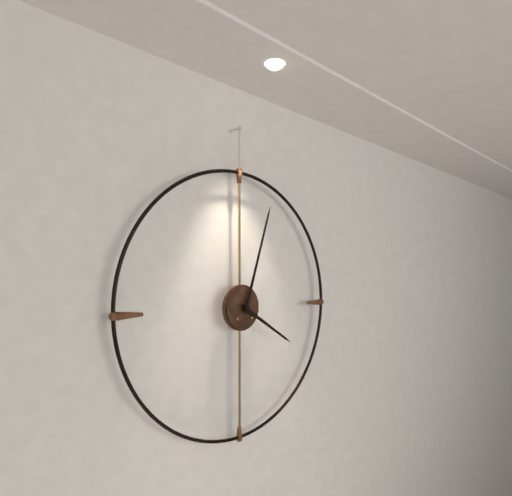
4:03
